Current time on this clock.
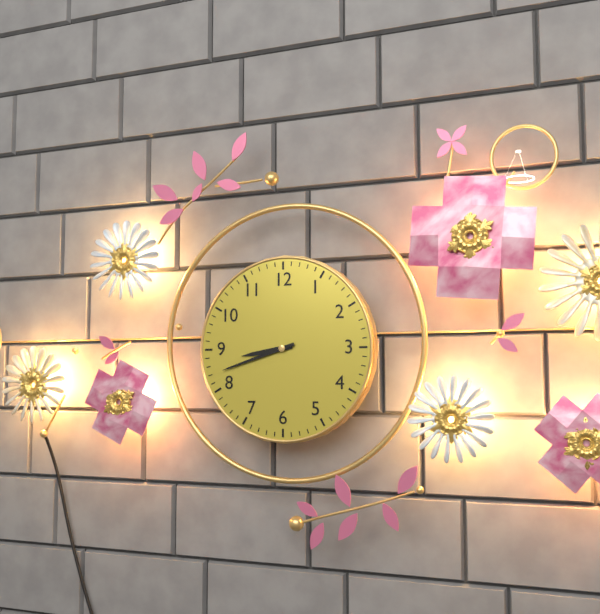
8:42
